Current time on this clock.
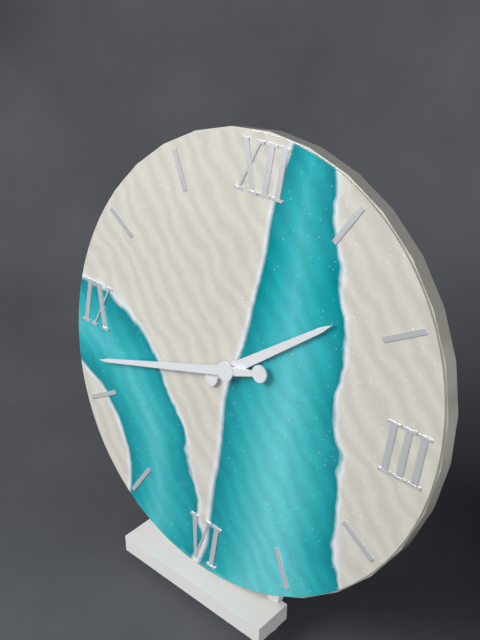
1:42
